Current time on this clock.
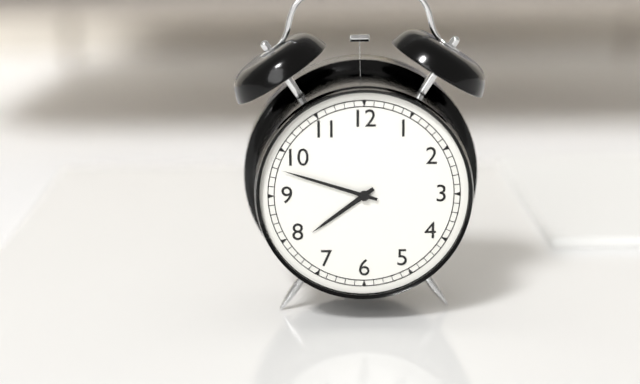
7:48
